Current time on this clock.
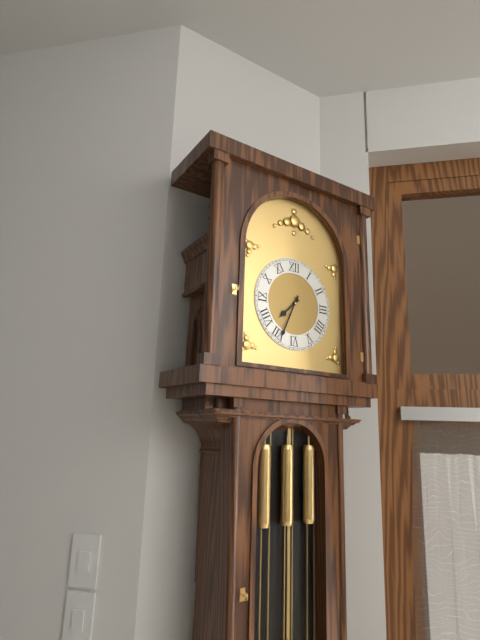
7:34
